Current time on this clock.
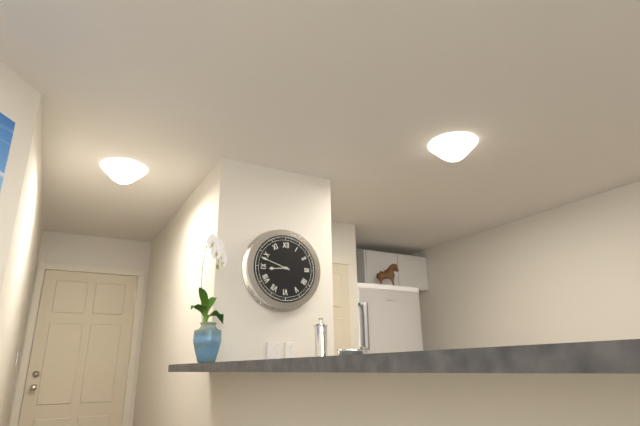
8:48
